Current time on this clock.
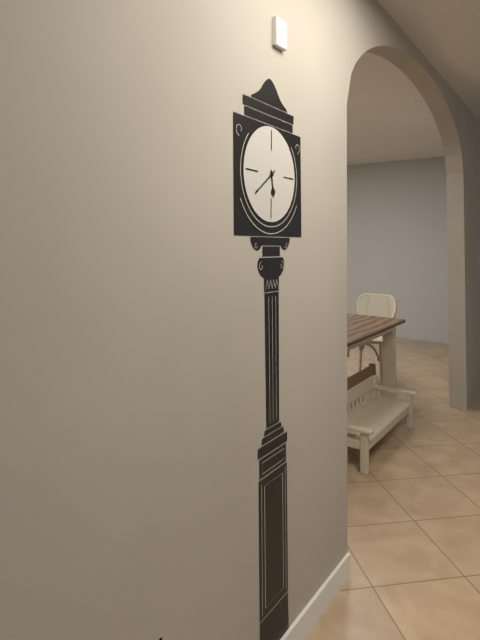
5:39
